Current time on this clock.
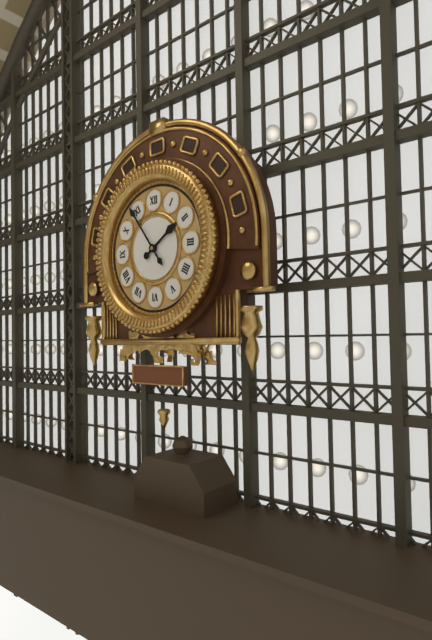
1:54
